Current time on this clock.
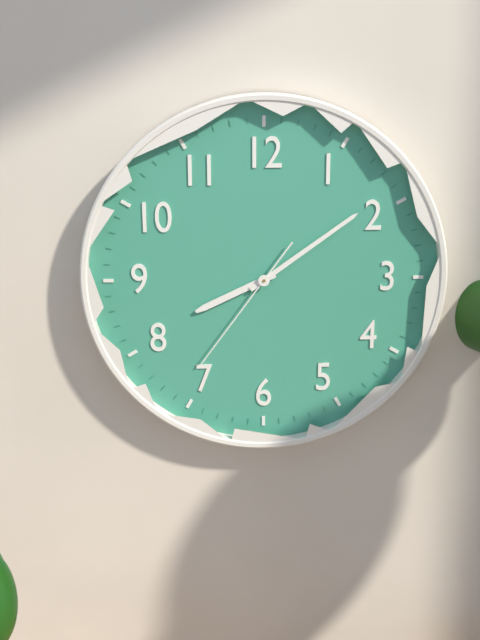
8:09:36
